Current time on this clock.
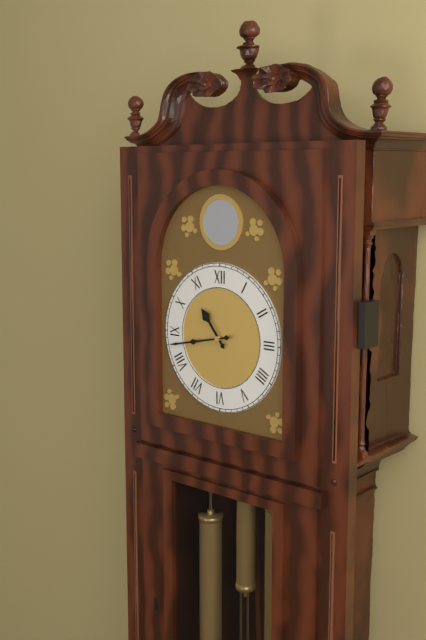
10:43
